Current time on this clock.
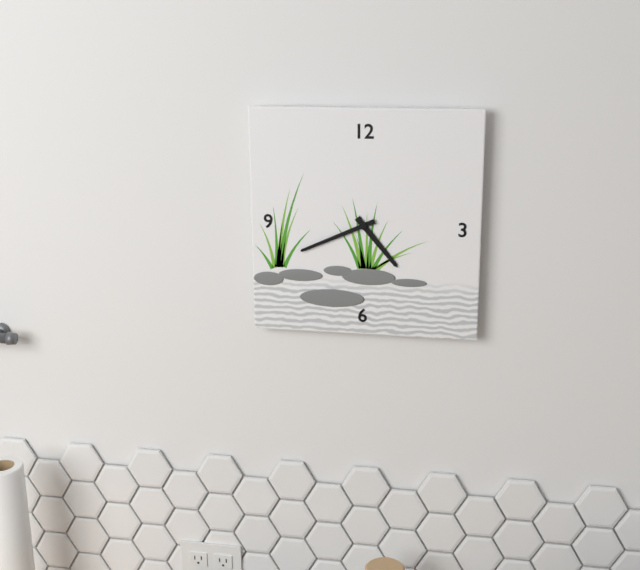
4:41
